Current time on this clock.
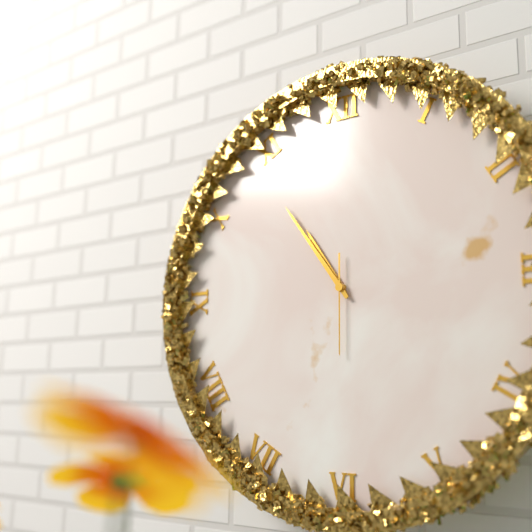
10:54:30
